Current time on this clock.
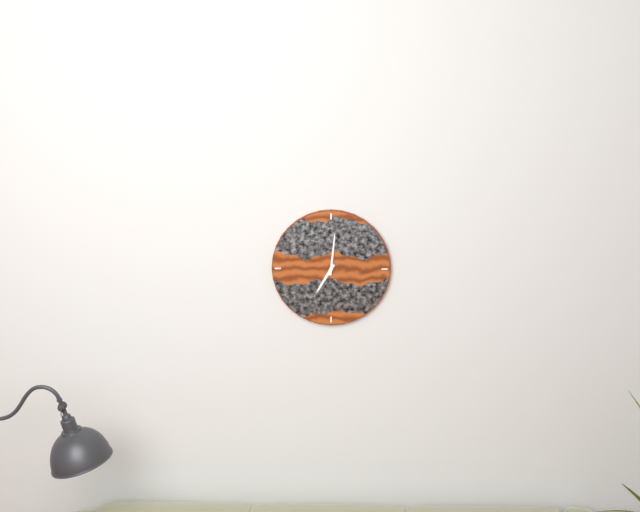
7:01
